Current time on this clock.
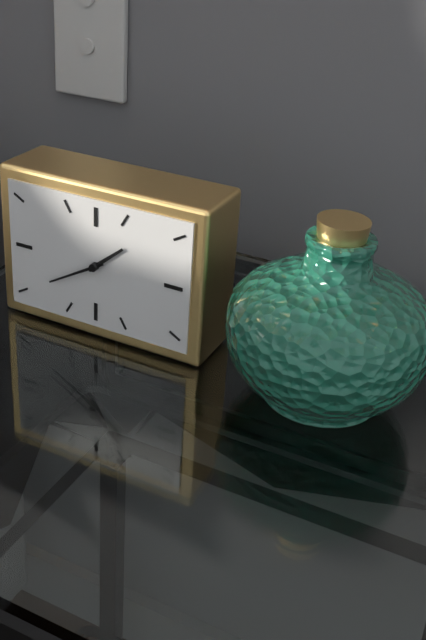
1:40
